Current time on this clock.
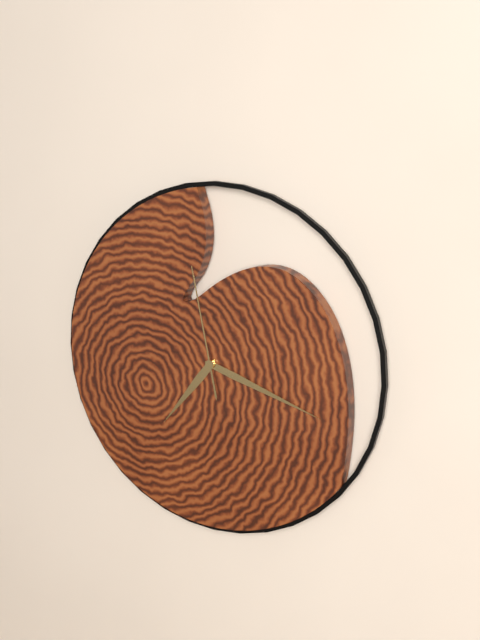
7:18:58
